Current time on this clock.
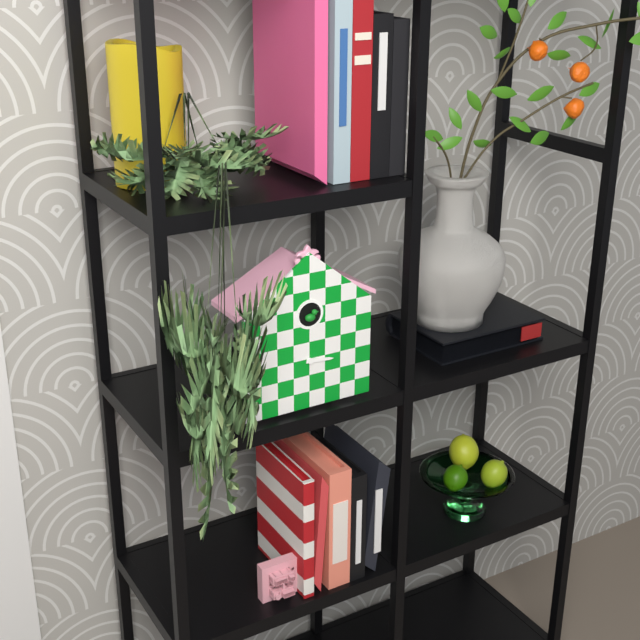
3:16
